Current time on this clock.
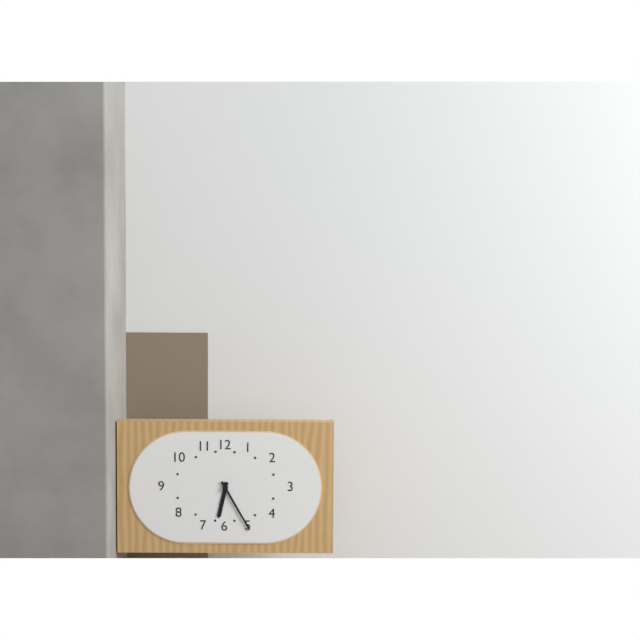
6:25
